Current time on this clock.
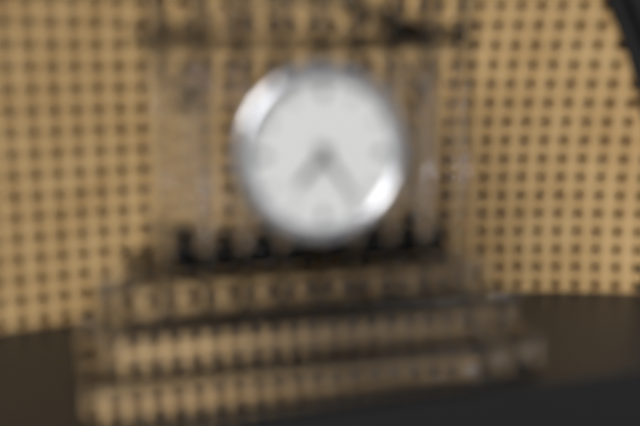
7:24
